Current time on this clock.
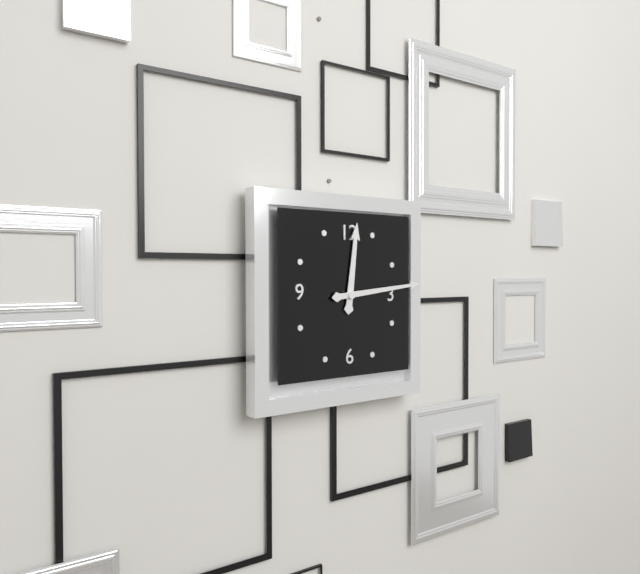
12:14
